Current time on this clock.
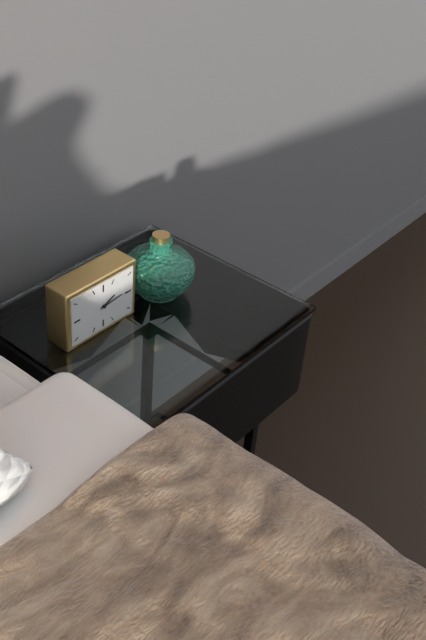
2:14
